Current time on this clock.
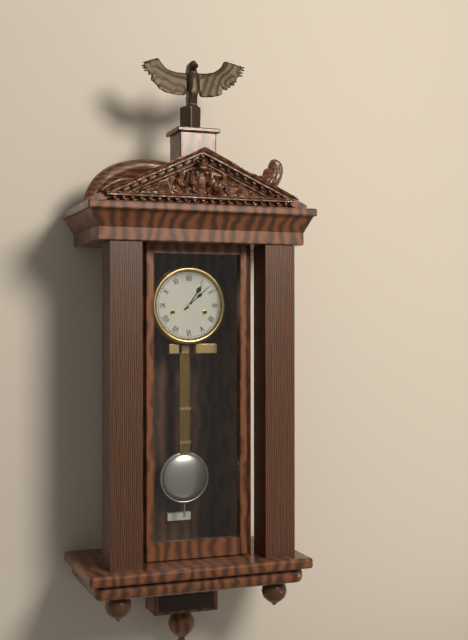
1:08
